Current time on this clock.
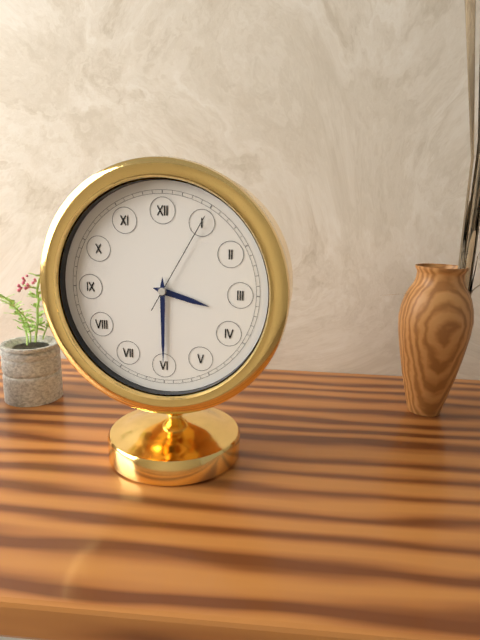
3:30:05
